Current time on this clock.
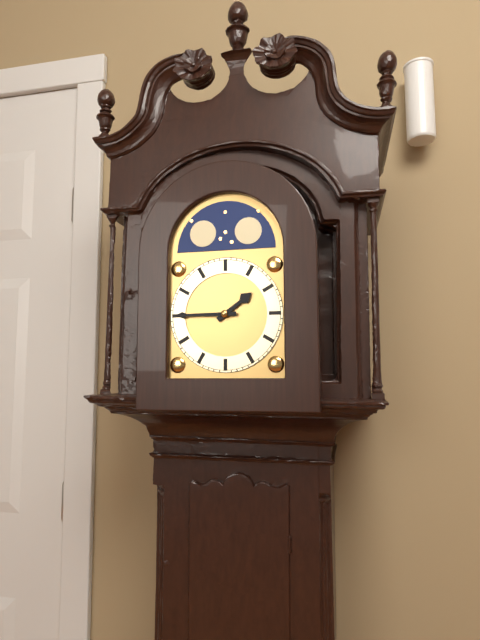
1:45
